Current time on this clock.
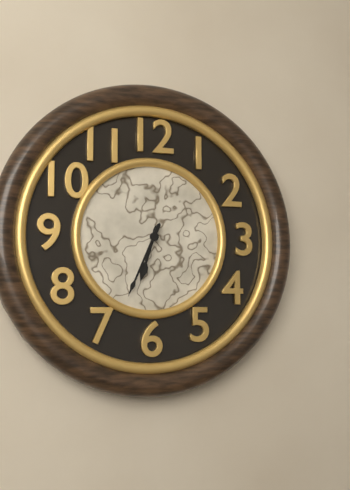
6:34
